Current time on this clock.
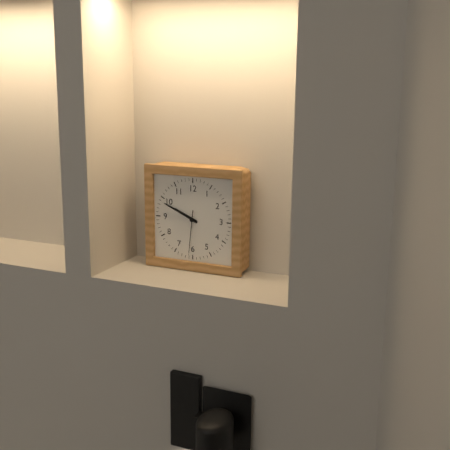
9:49
